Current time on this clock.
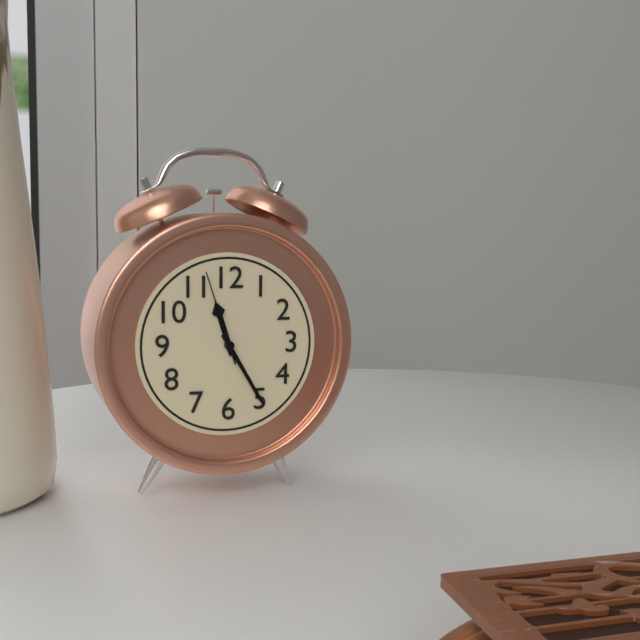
11:25:57
